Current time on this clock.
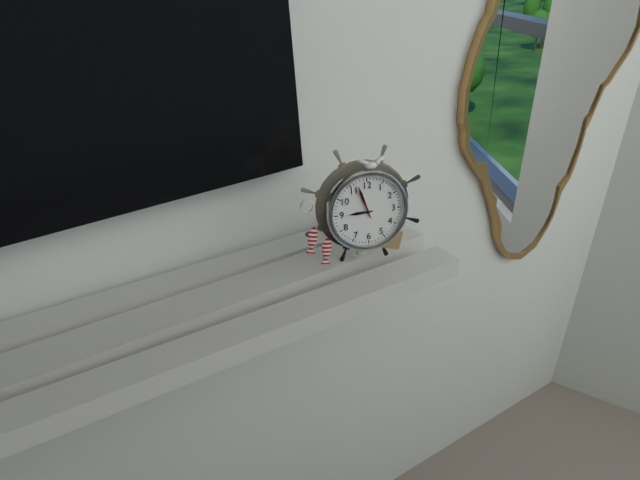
8:57
